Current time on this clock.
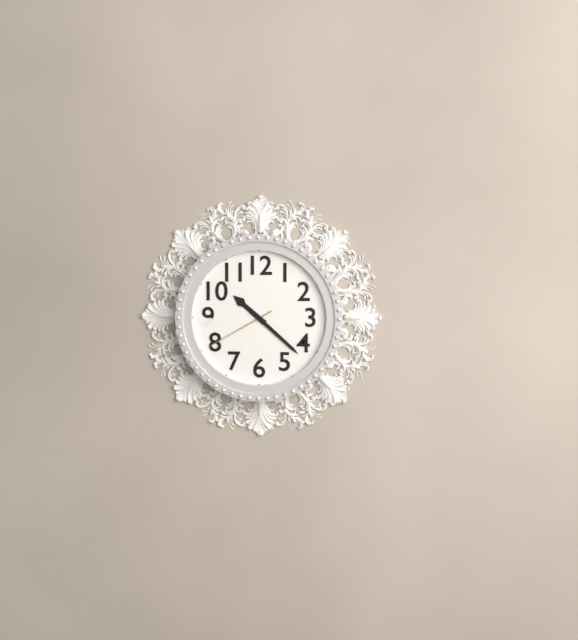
10:22:40
